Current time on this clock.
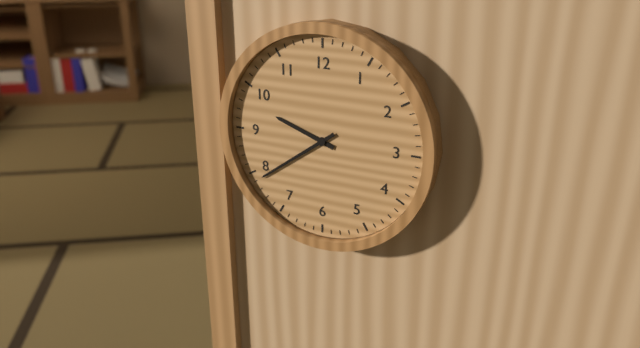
9:39
